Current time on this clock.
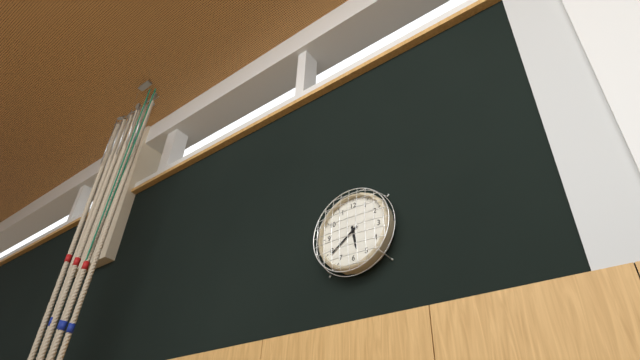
5:39
